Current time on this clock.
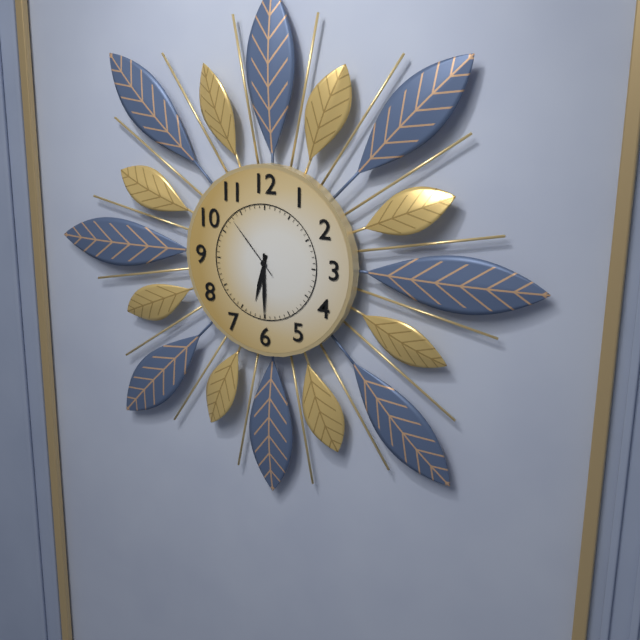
6:30:53
